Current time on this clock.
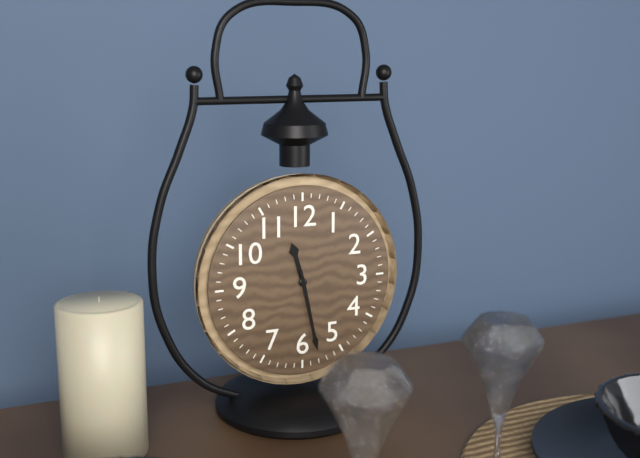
11:28
